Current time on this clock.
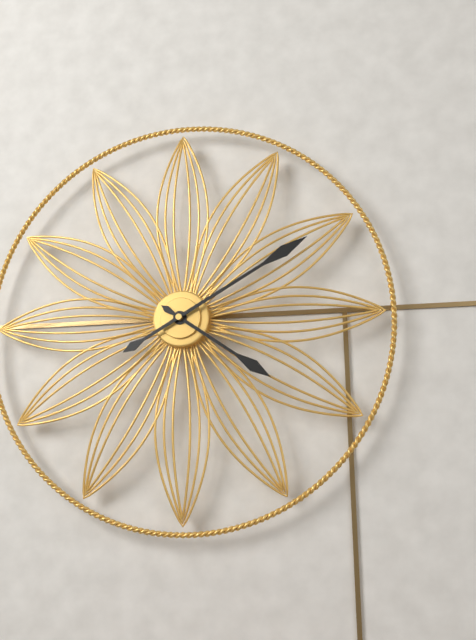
4:10
